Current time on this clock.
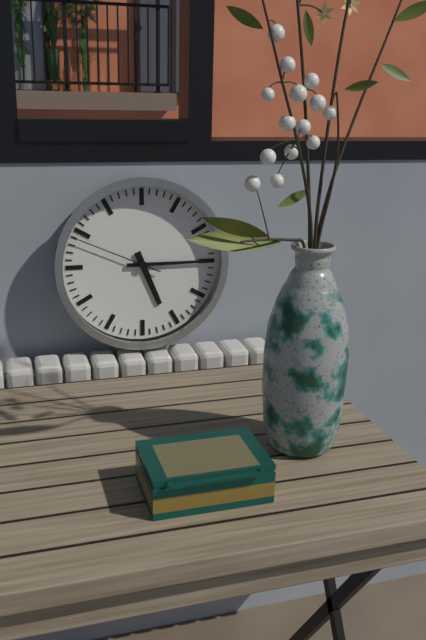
5:15:49
